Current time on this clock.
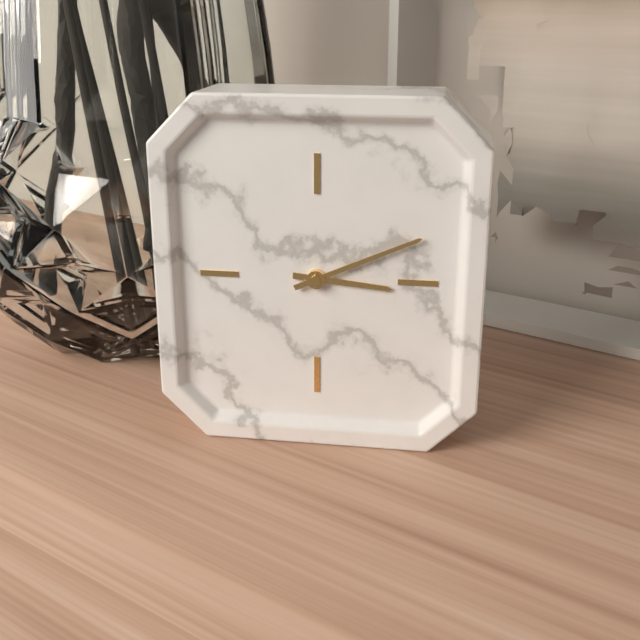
3:11
